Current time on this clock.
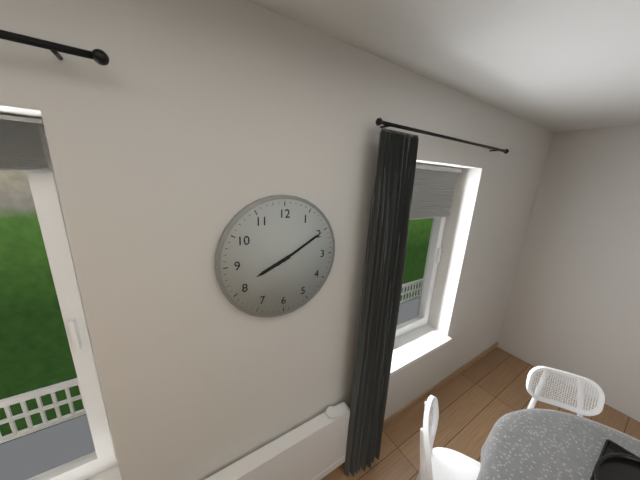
8:10
